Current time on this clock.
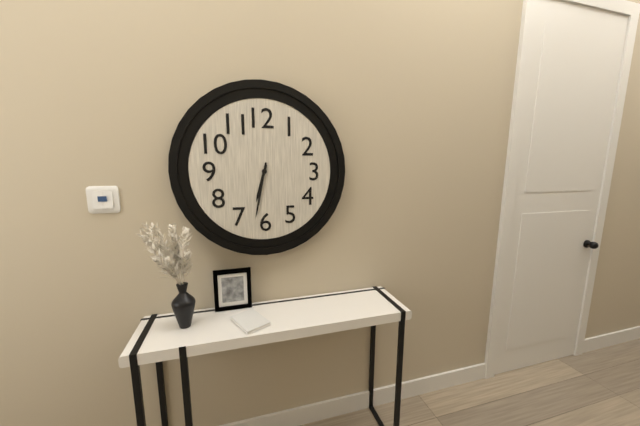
6:32
